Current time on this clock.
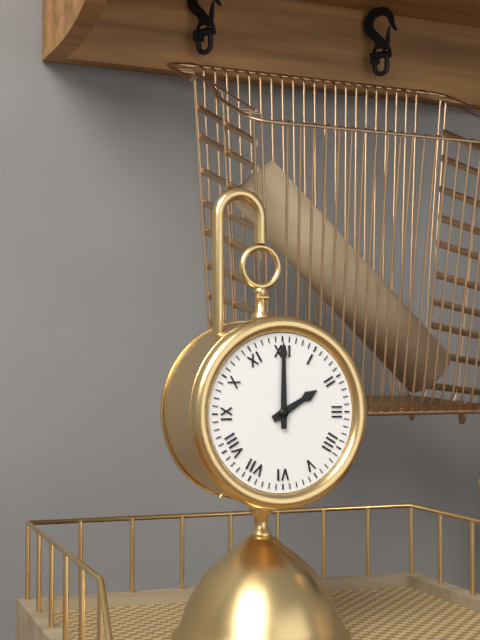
2:00
